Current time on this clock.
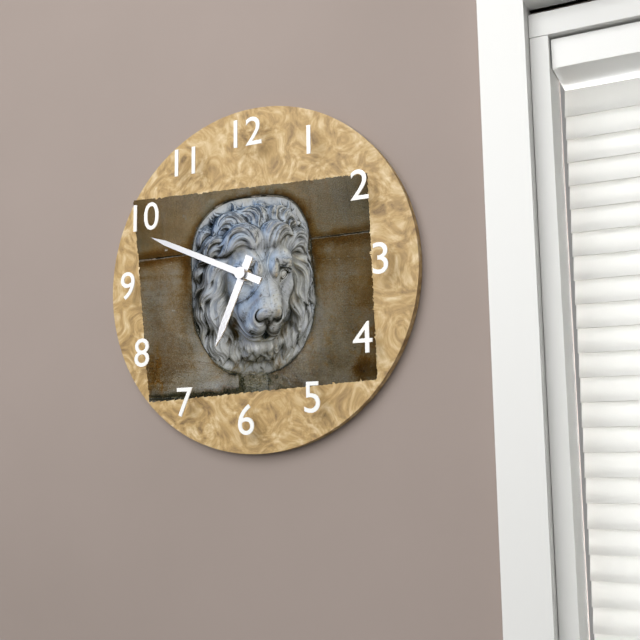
6:49
